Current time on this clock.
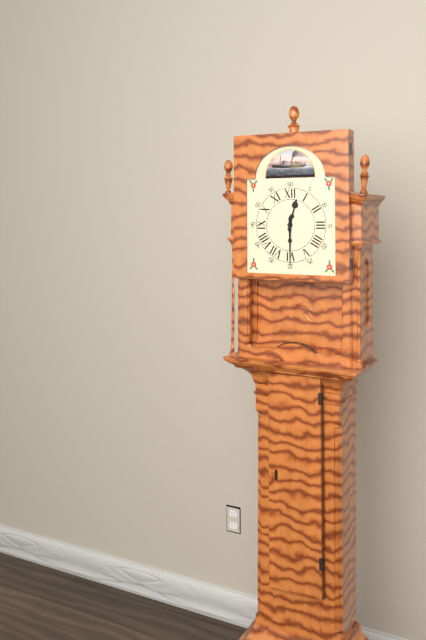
12:30
